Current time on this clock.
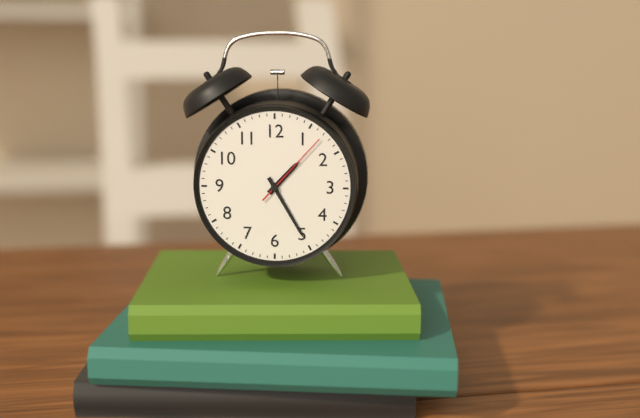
1:25:07
